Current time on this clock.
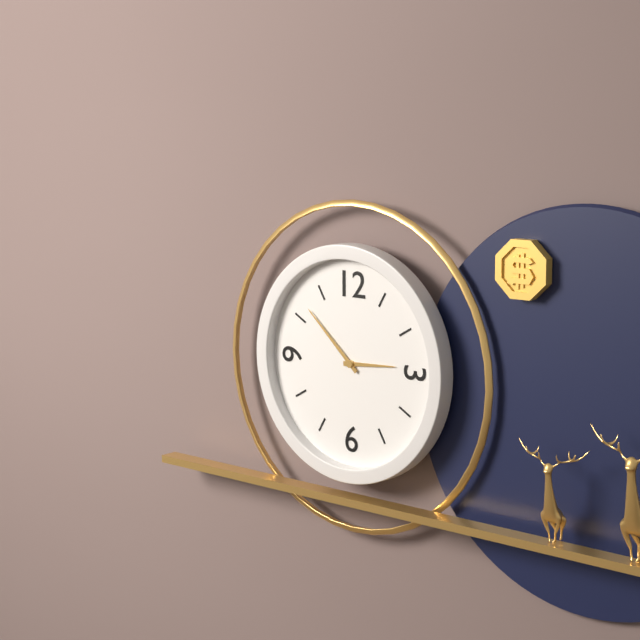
2:52
